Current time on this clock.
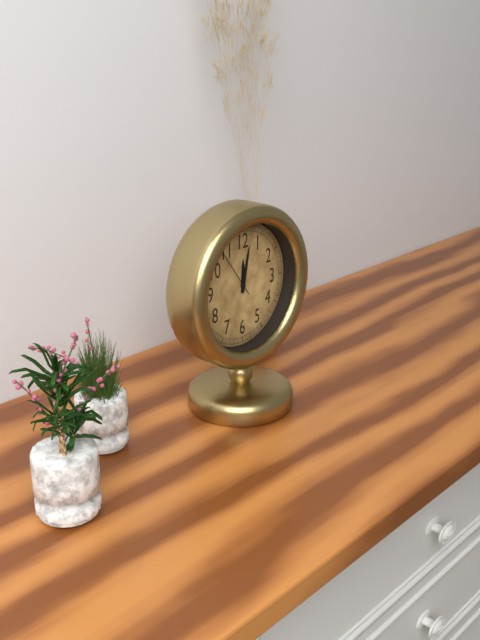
12:02
